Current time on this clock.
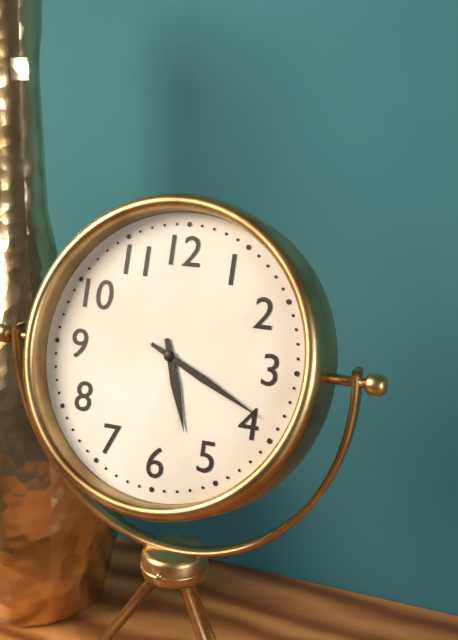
5:19
